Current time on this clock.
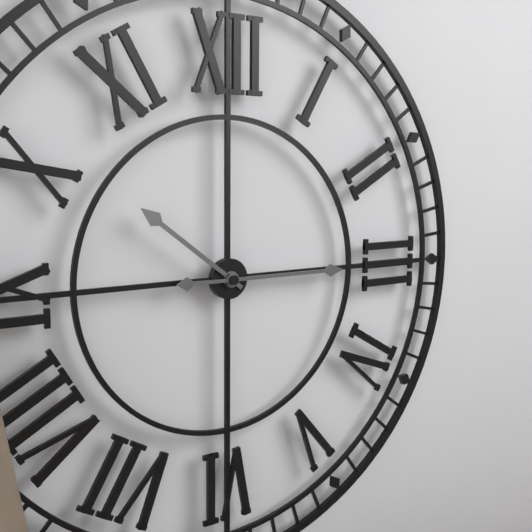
10:15
